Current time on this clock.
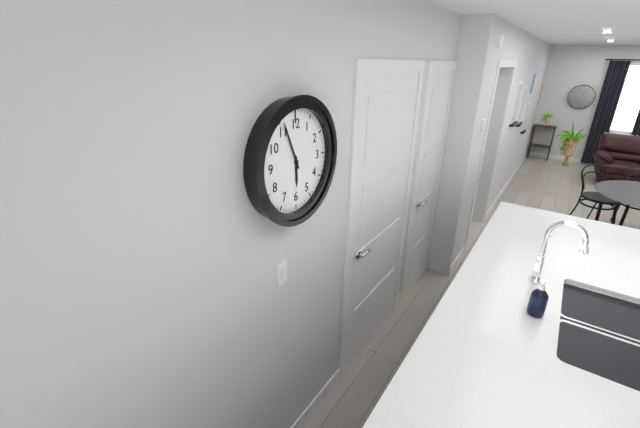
5:56
